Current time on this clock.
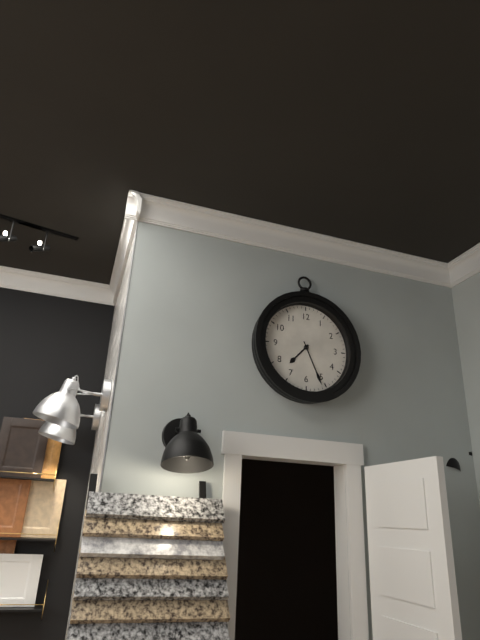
7:26
